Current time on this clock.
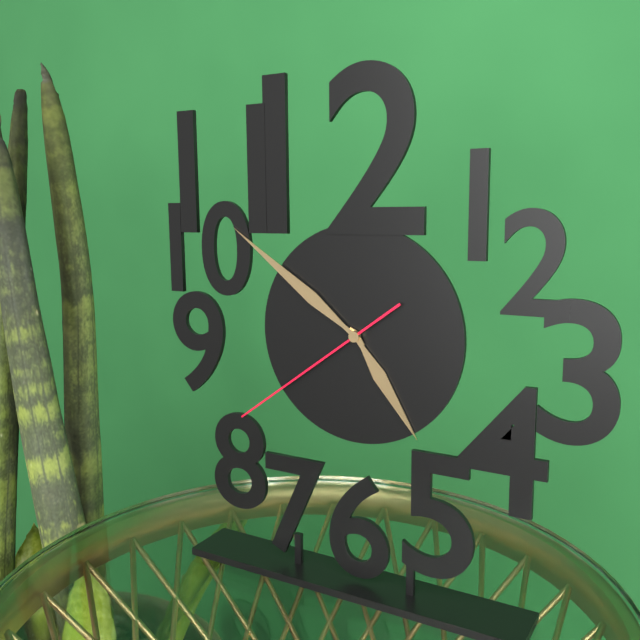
4:51:39
